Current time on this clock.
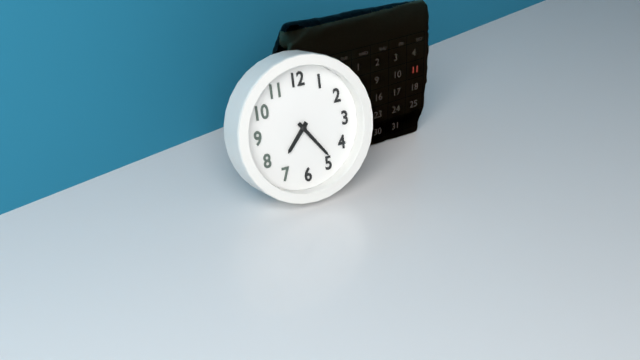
7:24
